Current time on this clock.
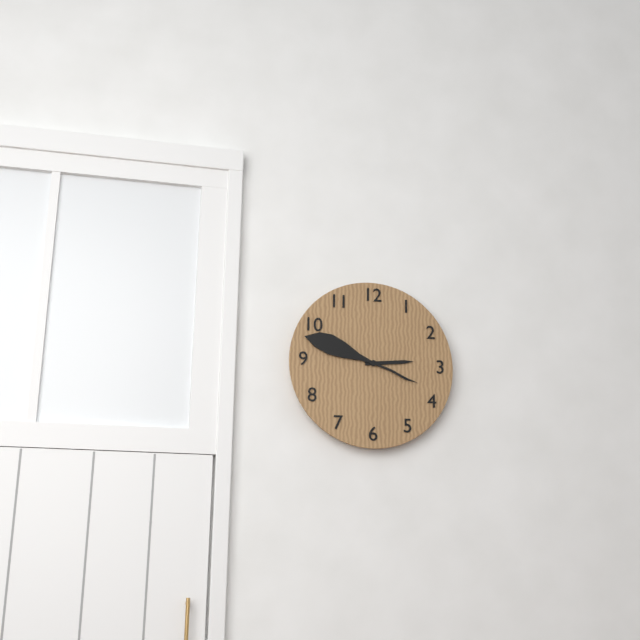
2:48
